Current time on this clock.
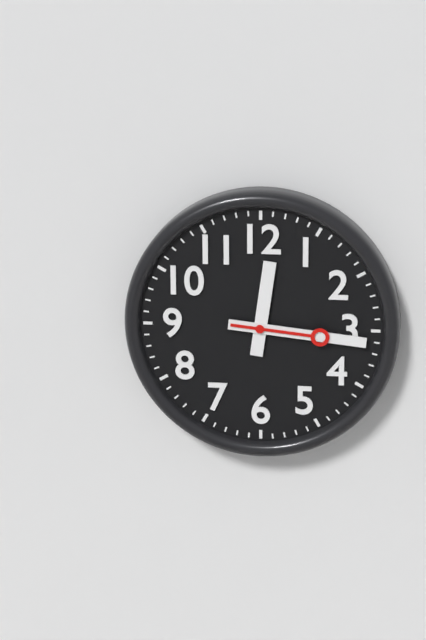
12:16:16
